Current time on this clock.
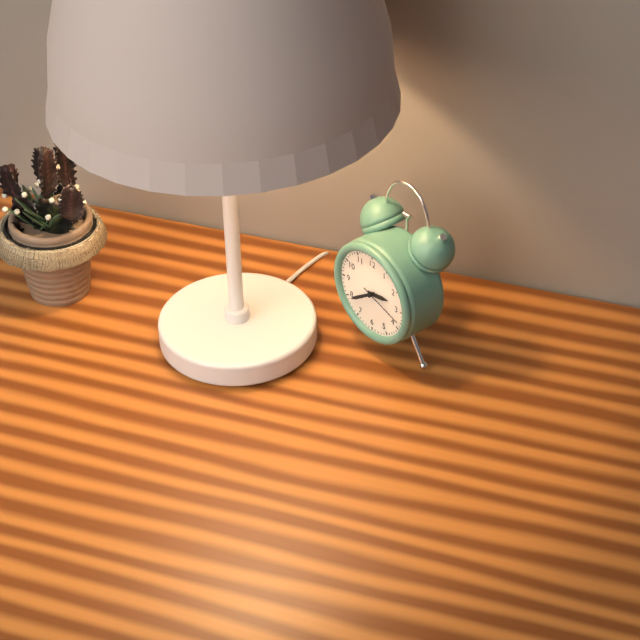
2:39
